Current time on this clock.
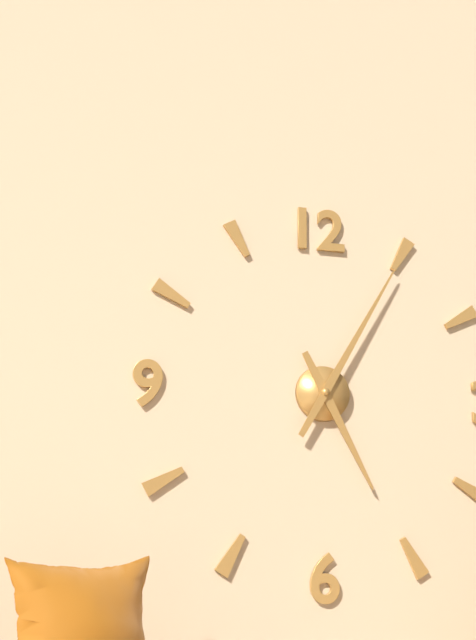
5:05
